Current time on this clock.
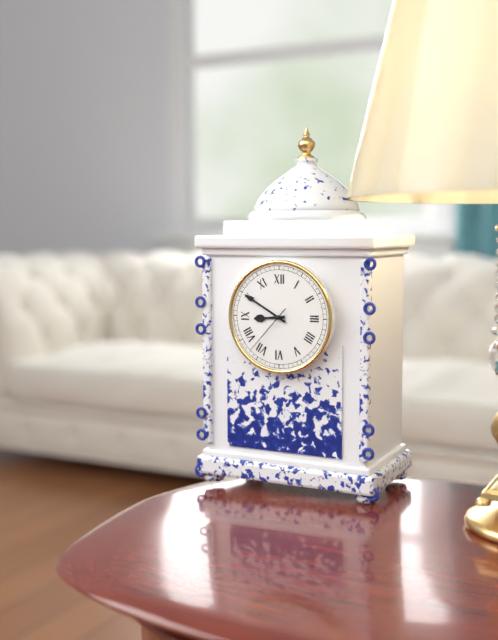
8:50:37
